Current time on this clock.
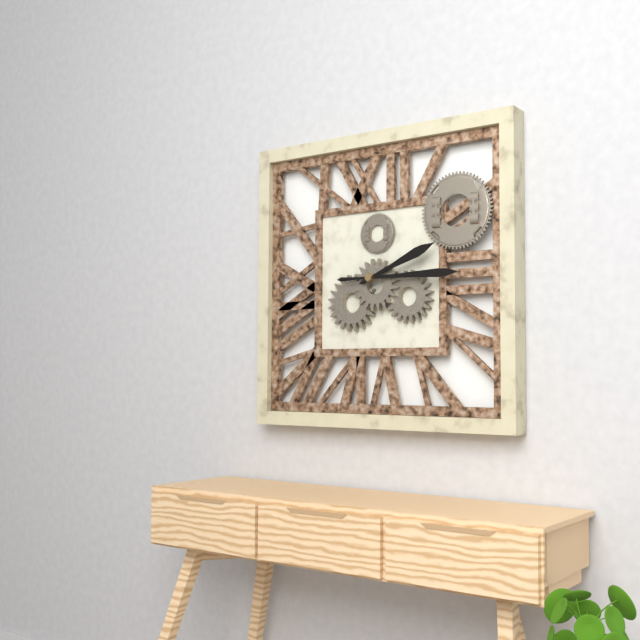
2:15
